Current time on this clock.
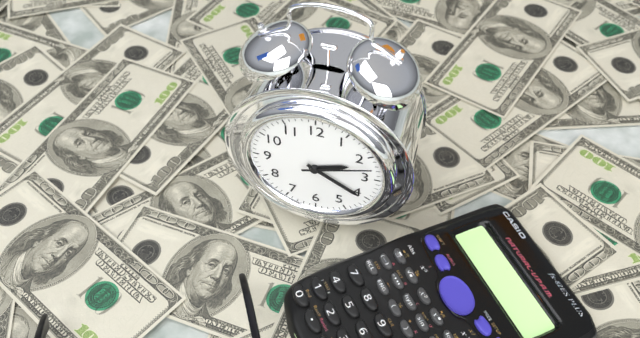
2:20:12
